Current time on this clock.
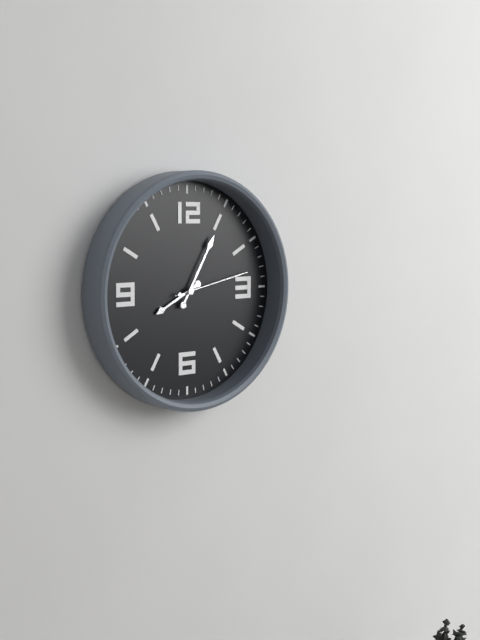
8:05:13
